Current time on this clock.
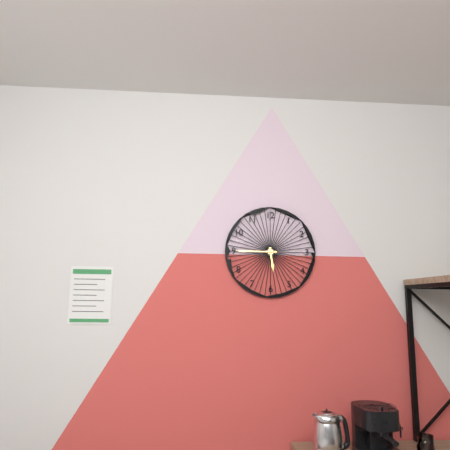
5:45
